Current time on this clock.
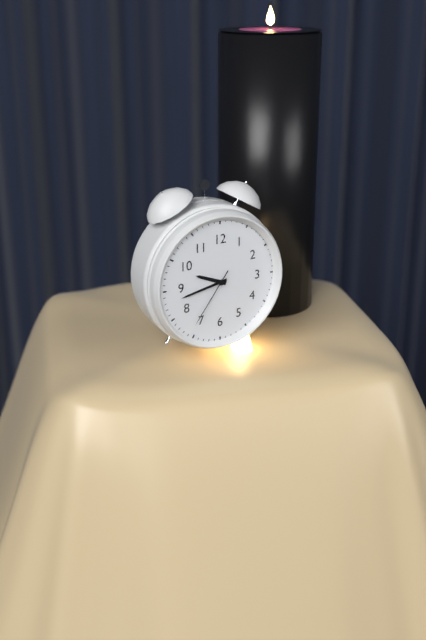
9:43:36
